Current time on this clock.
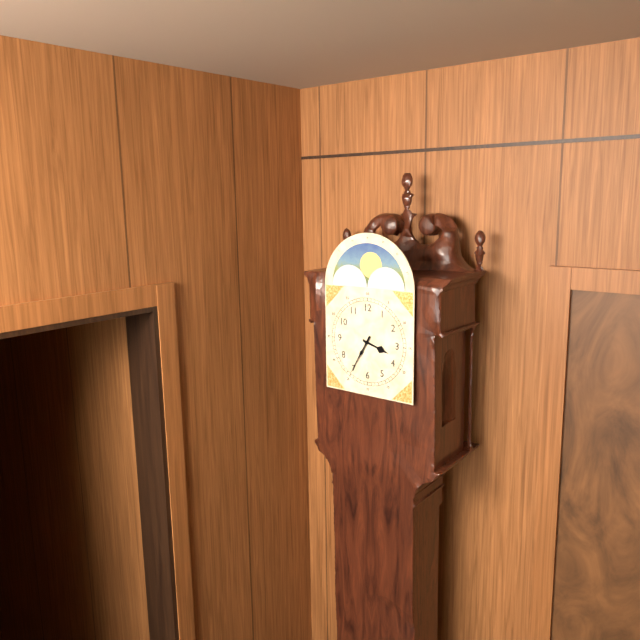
3:35
